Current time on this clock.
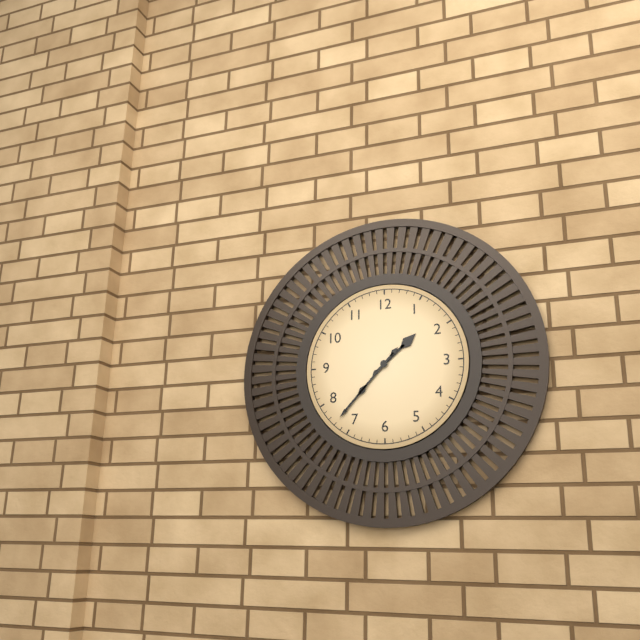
1:37
